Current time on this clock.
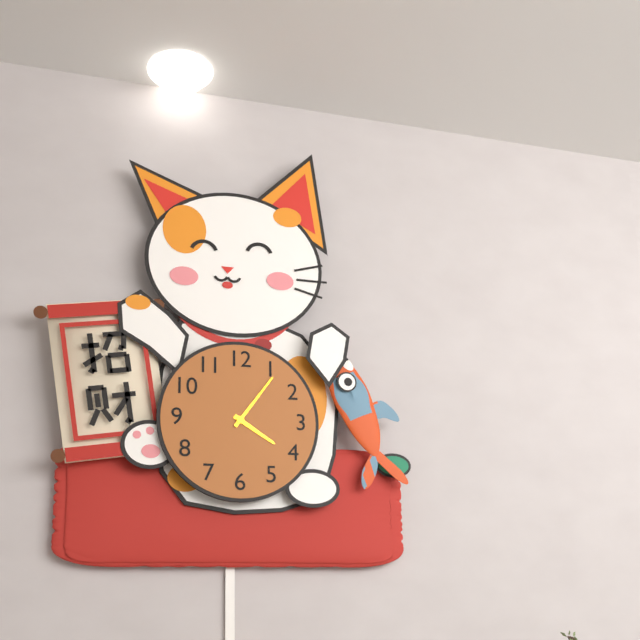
4:06
